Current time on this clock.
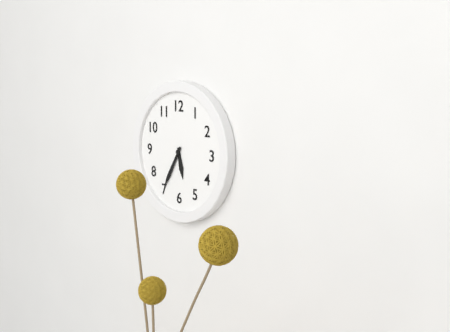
5:35
